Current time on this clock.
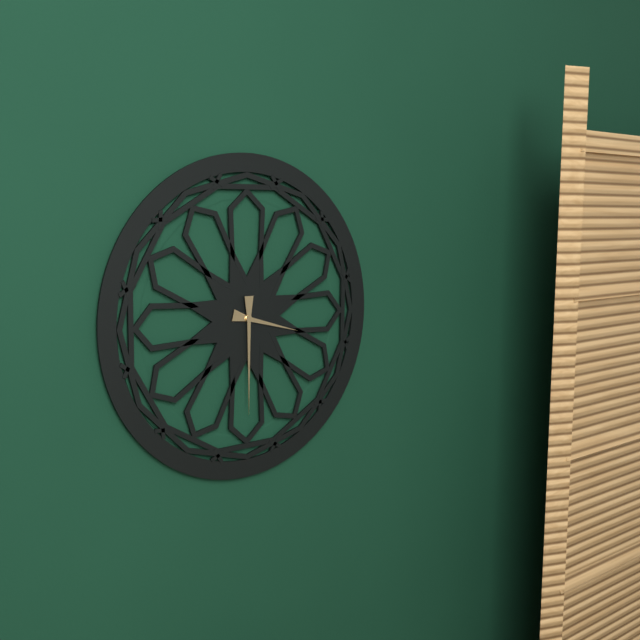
3:30
